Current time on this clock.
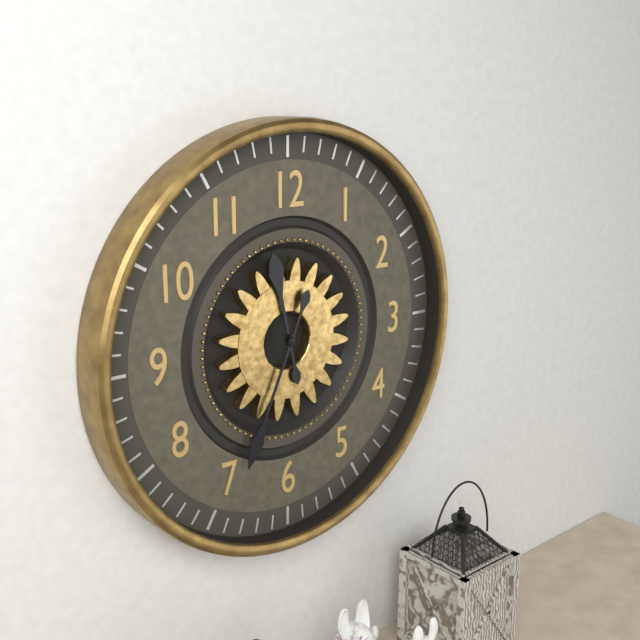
11:34
